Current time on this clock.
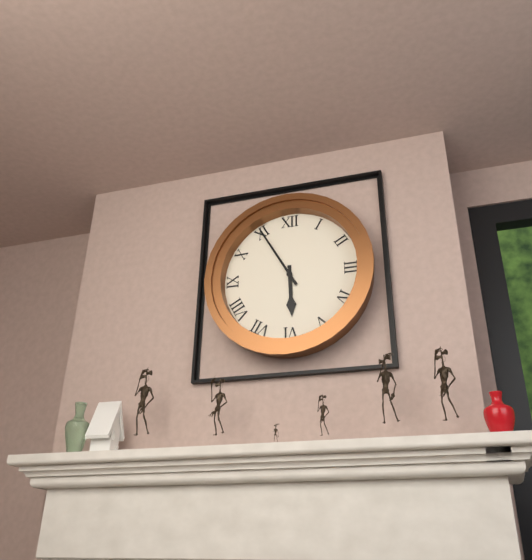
5:55
